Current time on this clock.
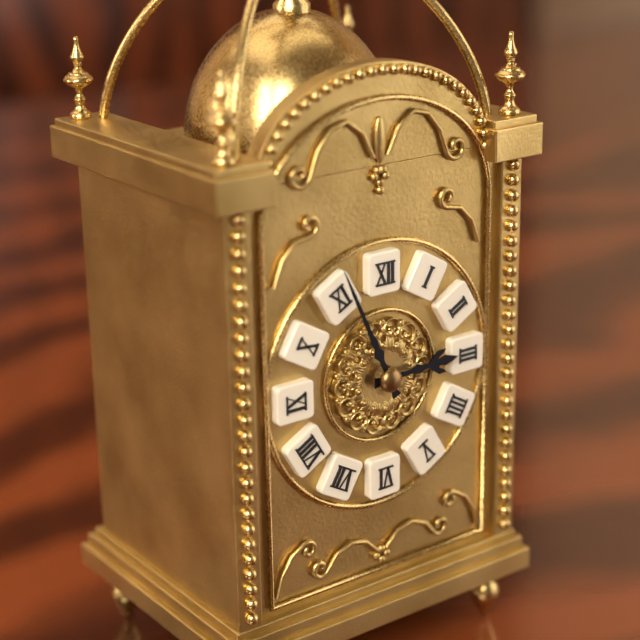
2:56
